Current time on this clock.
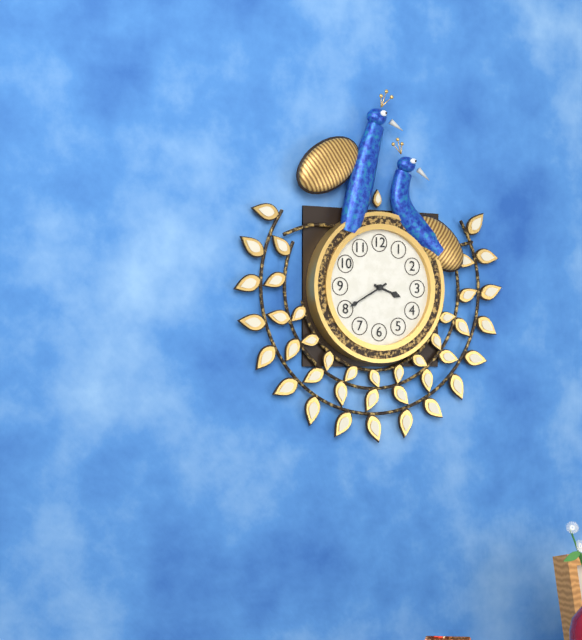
3:40
